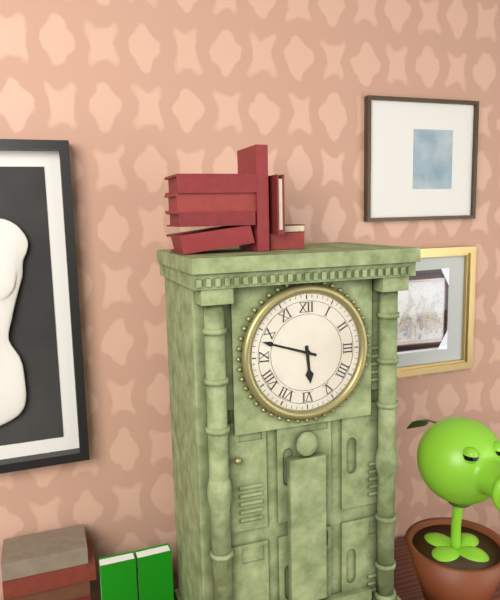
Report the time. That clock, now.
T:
5:48
